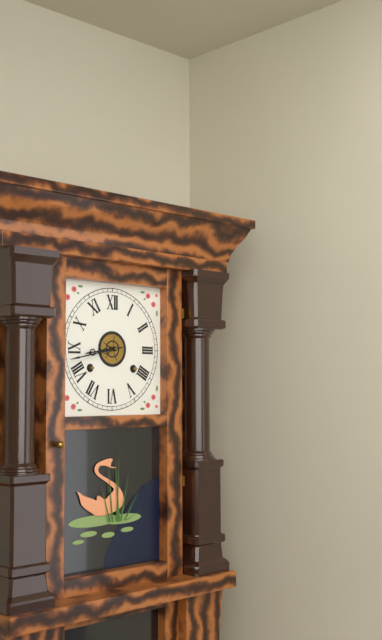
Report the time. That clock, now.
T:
8:43
